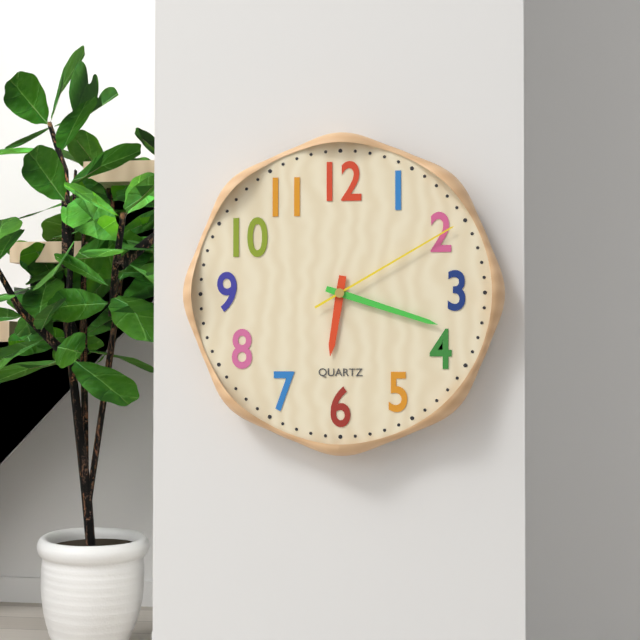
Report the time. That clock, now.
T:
6:18:10
